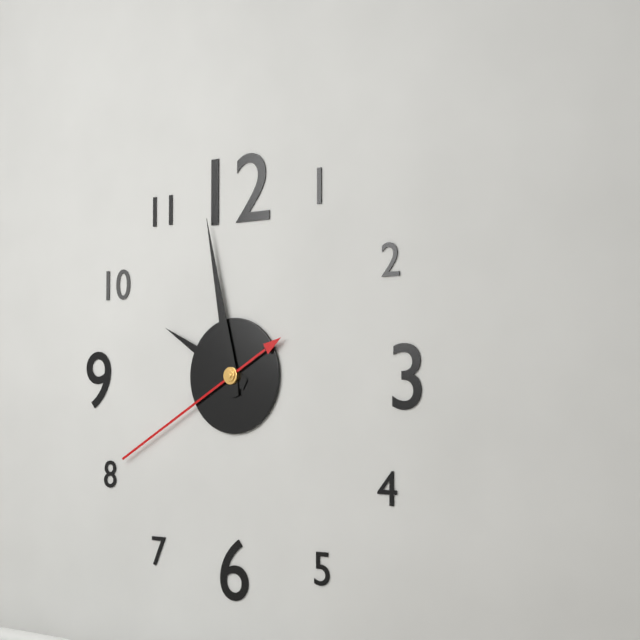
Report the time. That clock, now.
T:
9:58:40
